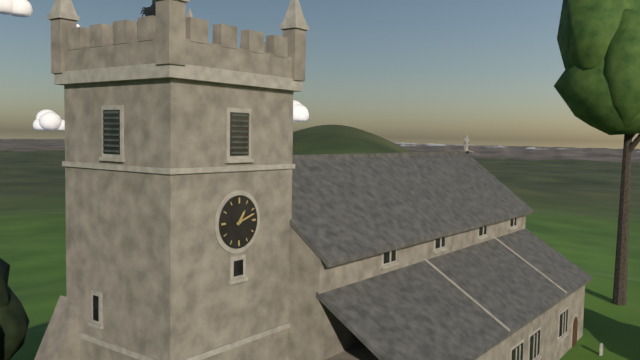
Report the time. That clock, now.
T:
1:12
